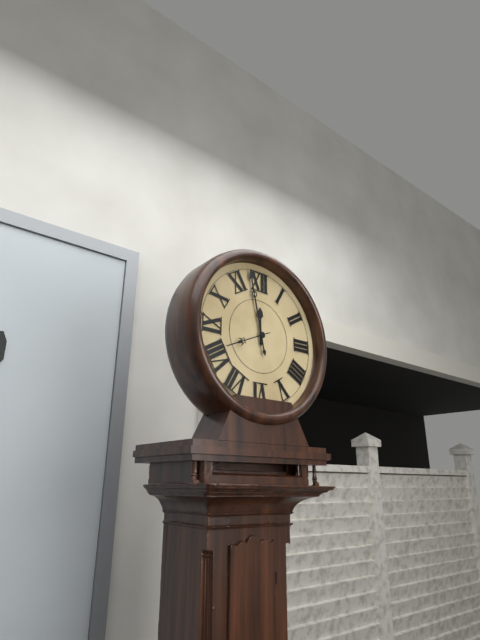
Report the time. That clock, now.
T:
11:58
